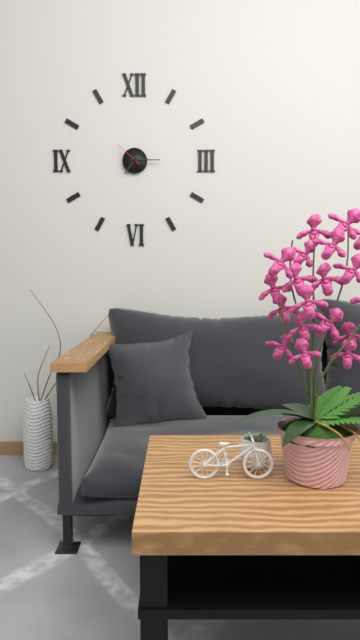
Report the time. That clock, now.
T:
7:15
